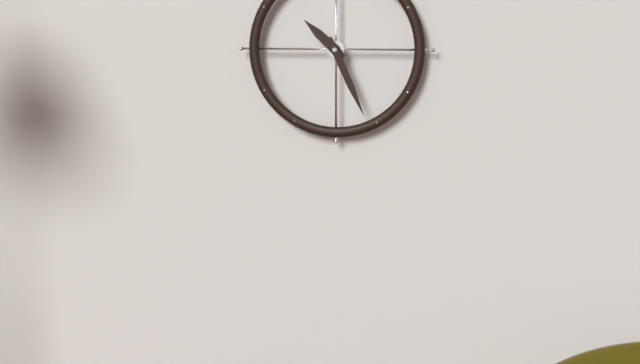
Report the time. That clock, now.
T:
10:26
